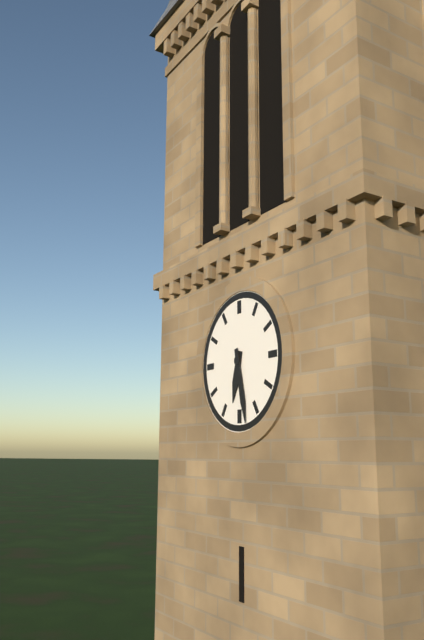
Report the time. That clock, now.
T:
6:28
